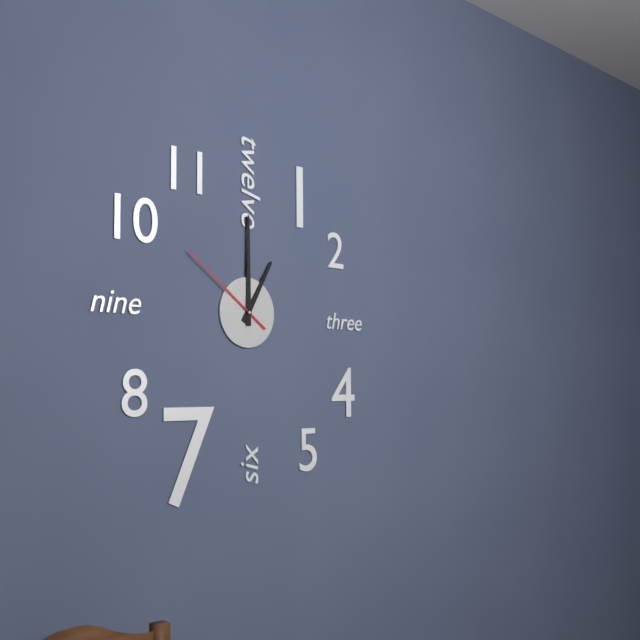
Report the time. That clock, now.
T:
1:00:51
